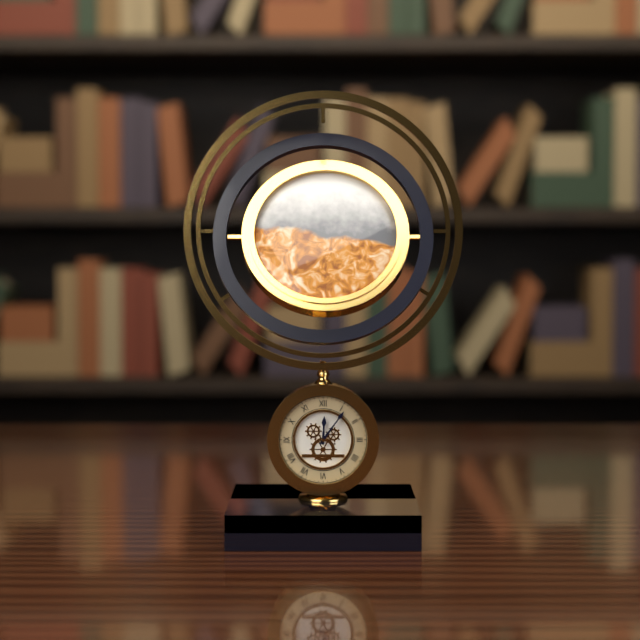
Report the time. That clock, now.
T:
12:06
